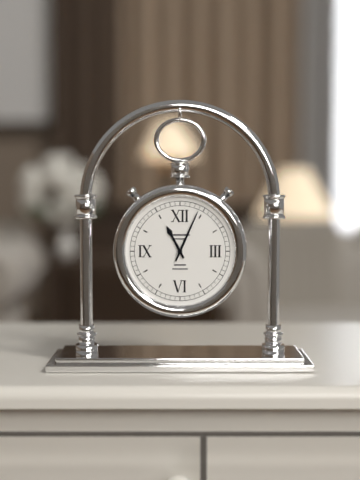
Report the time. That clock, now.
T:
11:04
